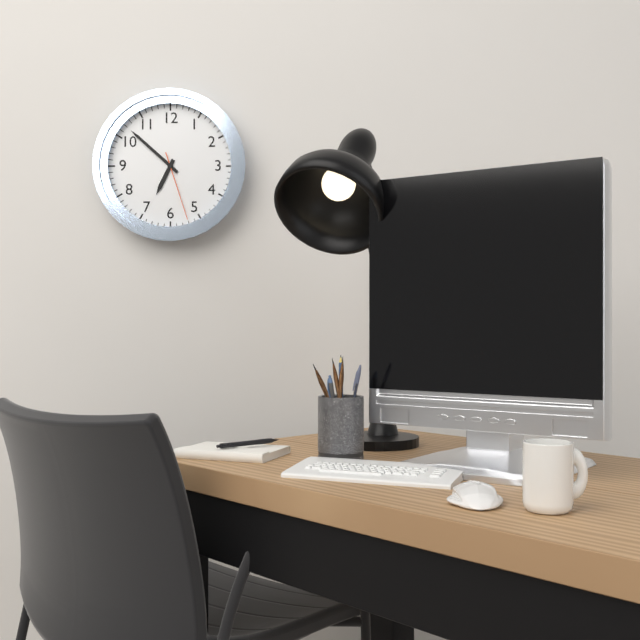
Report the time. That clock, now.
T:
6:52:27
